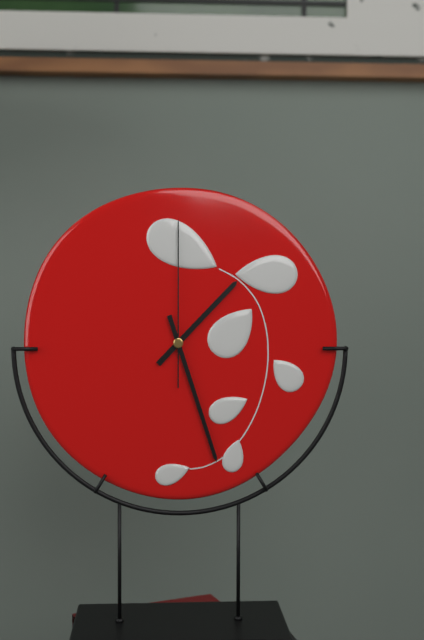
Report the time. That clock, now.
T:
1:27:00
